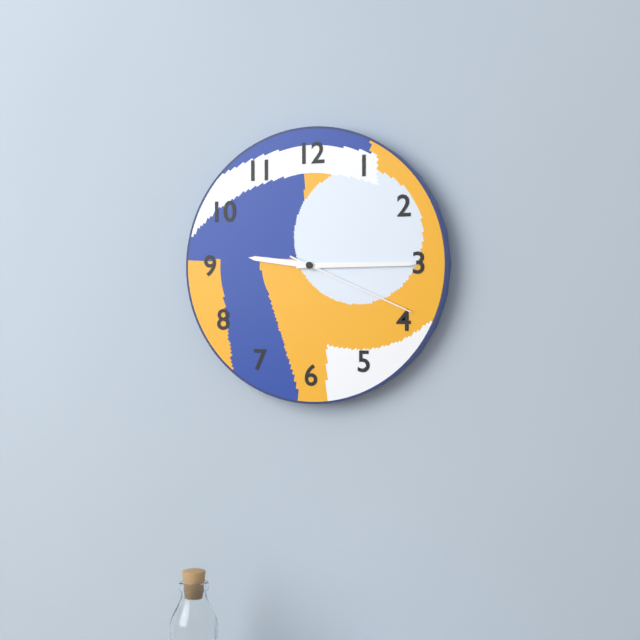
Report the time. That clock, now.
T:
9:15:19
